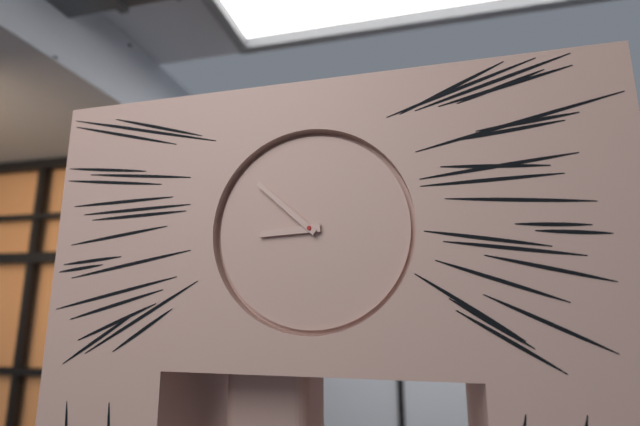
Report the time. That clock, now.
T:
8:52
